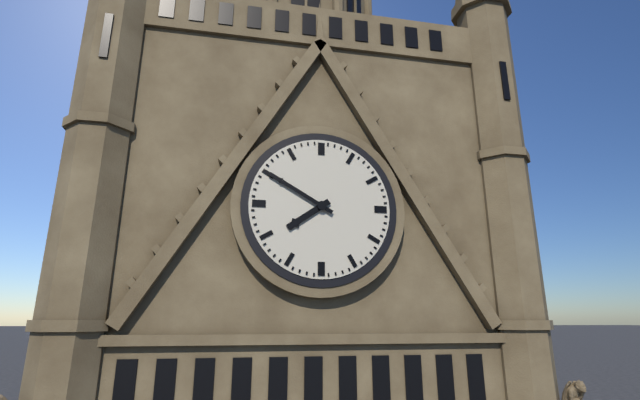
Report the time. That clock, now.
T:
7:50
